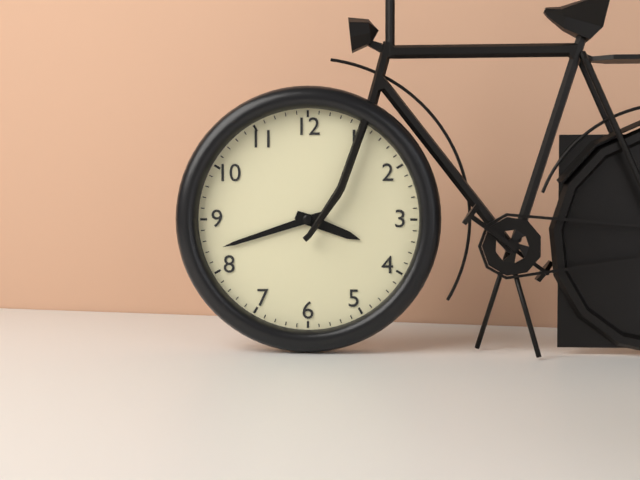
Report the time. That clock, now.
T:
3:42
